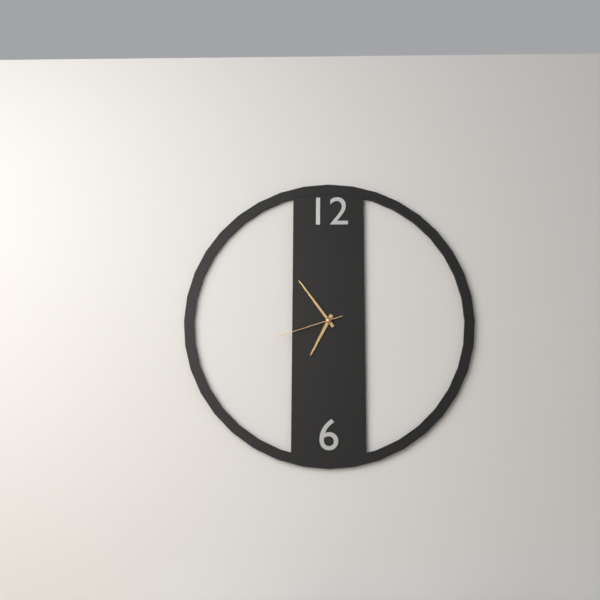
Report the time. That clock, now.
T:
6:54:42
